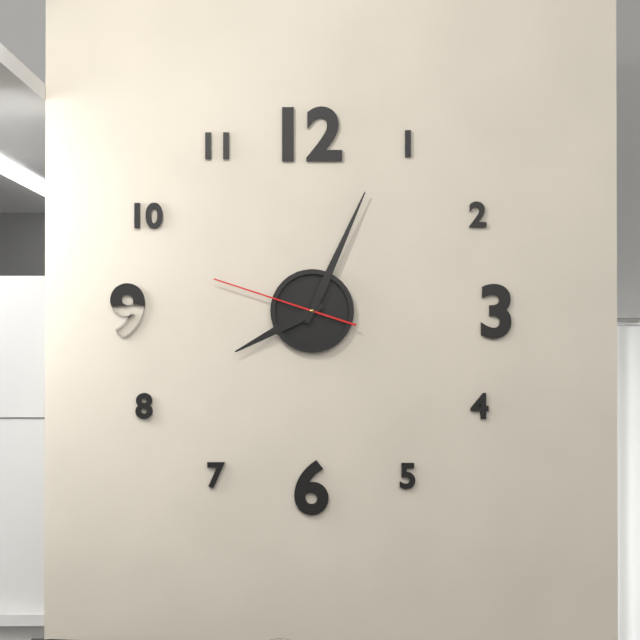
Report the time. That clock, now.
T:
8:04:48
